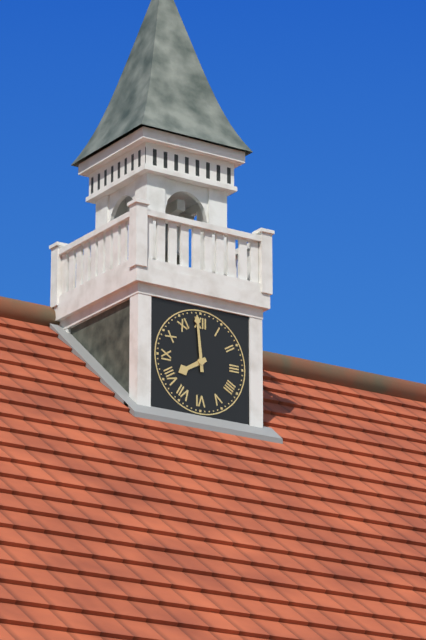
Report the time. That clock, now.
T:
7:59
